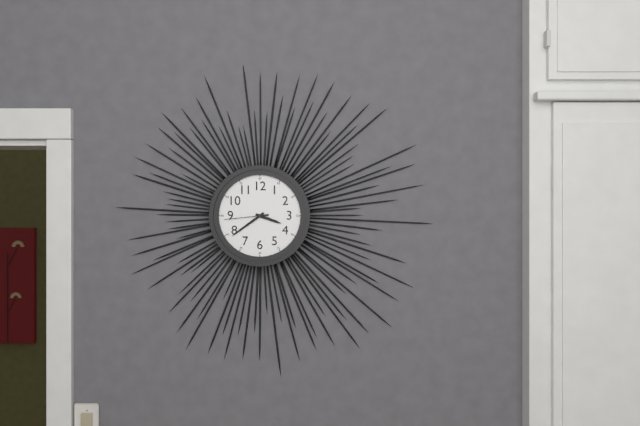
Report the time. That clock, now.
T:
3:39
